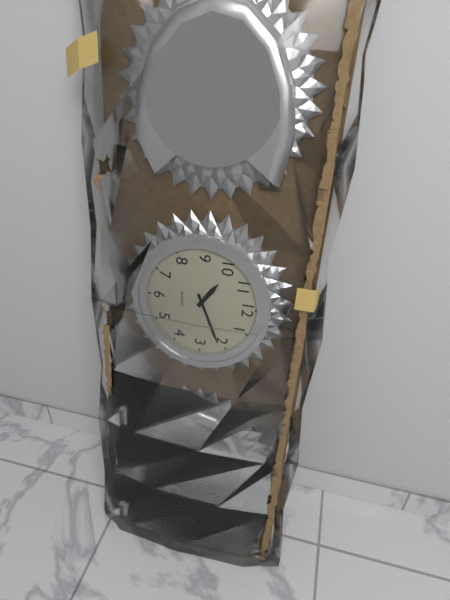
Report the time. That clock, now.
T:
10:11
